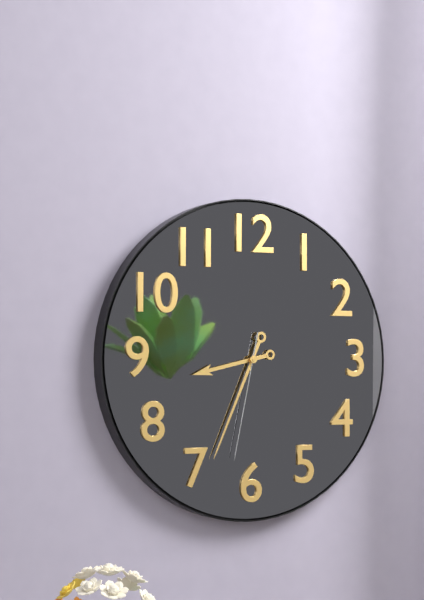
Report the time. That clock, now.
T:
8:34:32
